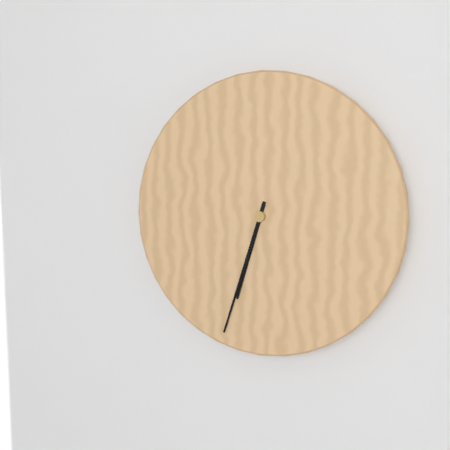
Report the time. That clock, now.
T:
6:33
